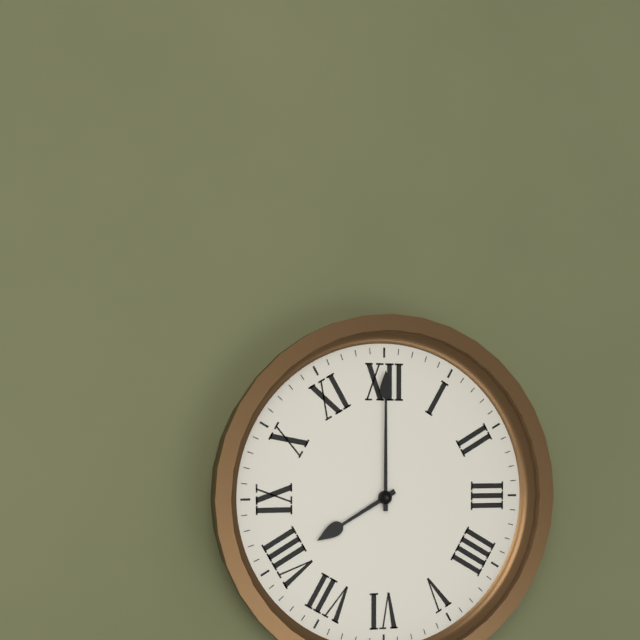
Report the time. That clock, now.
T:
8:00
